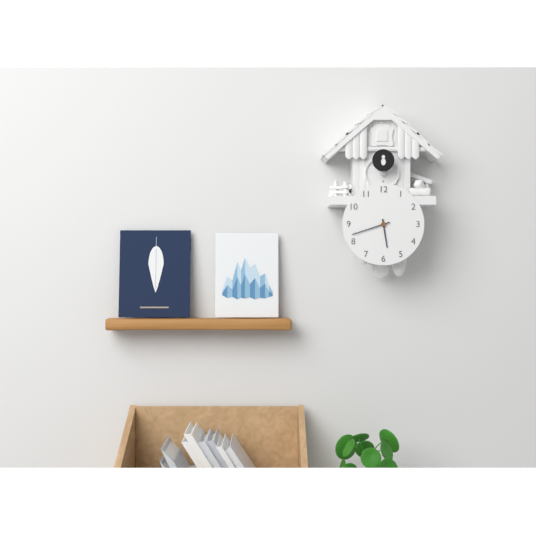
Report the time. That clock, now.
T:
5:42
